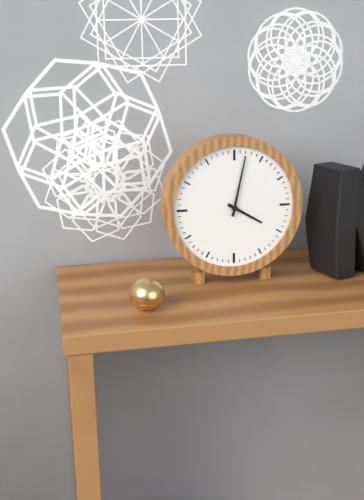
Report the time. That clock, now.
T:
4:02
